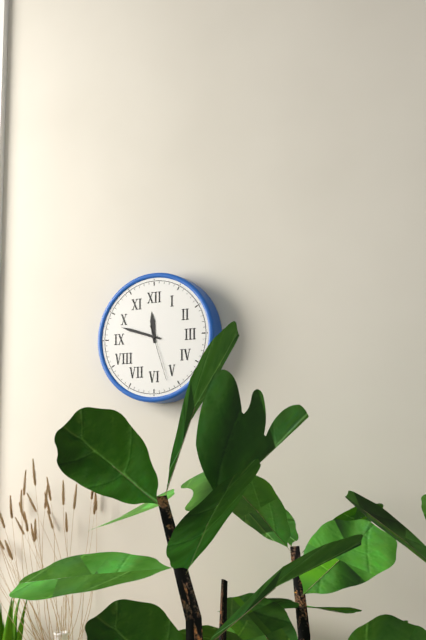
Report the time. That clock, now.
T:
11:48:27
